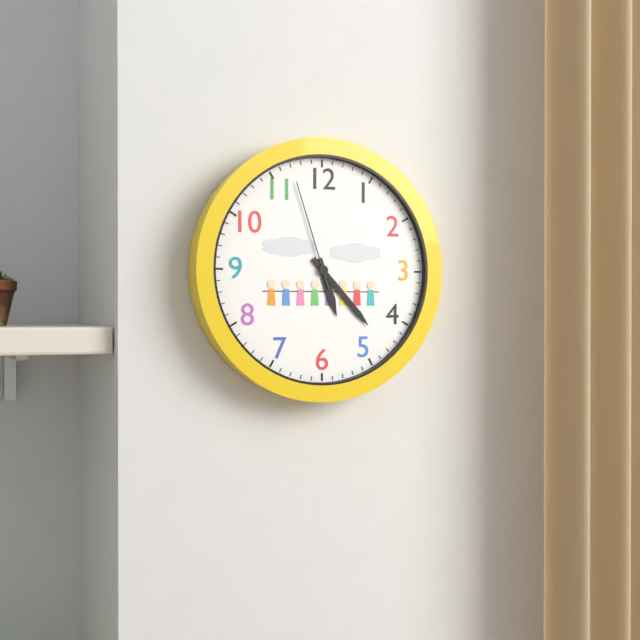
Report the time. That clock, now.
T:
5:23:57
